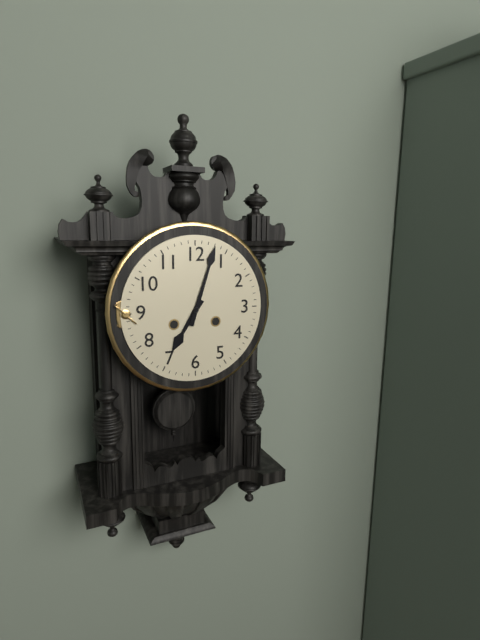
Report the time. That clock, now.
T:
7:03
